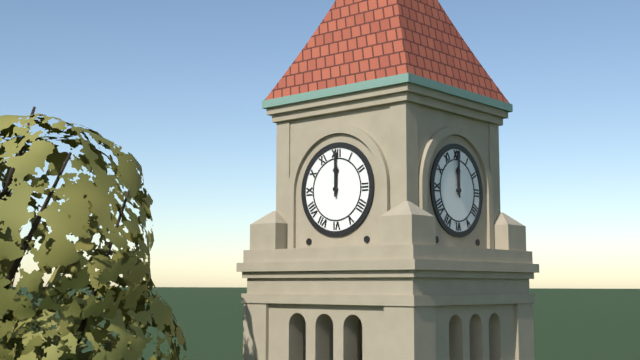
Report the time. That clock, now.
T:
12:00
